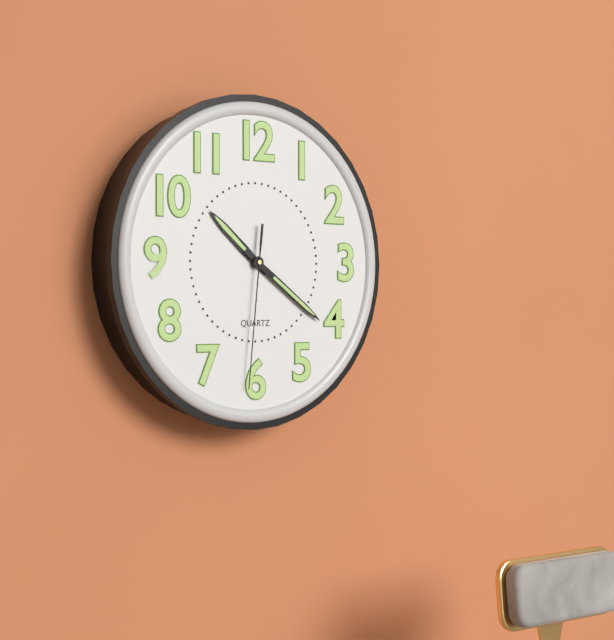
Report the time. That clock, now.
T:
10:21:31
